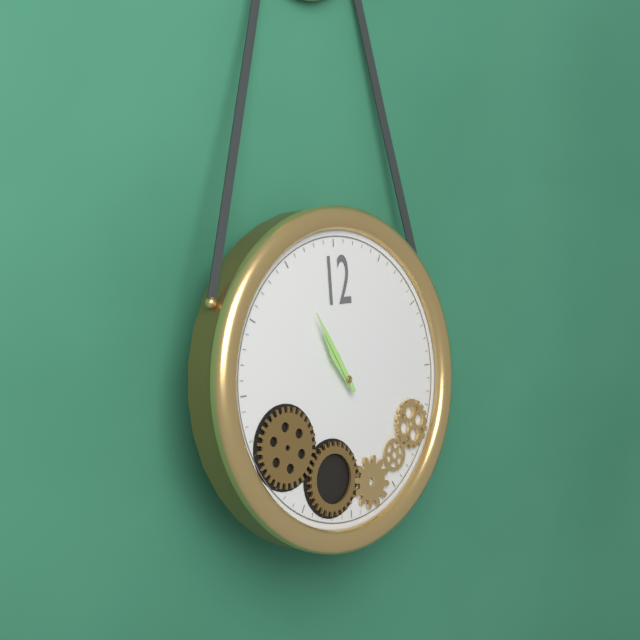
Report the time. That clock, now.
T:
10:55
